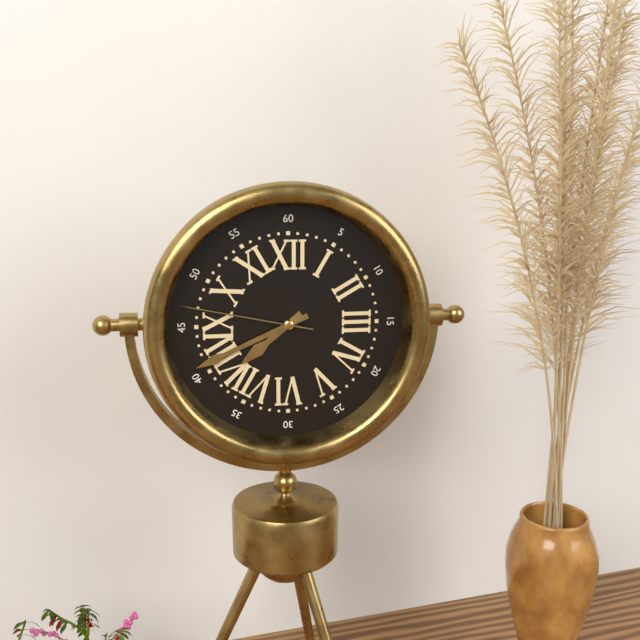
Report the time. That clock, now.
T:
7:41:47
